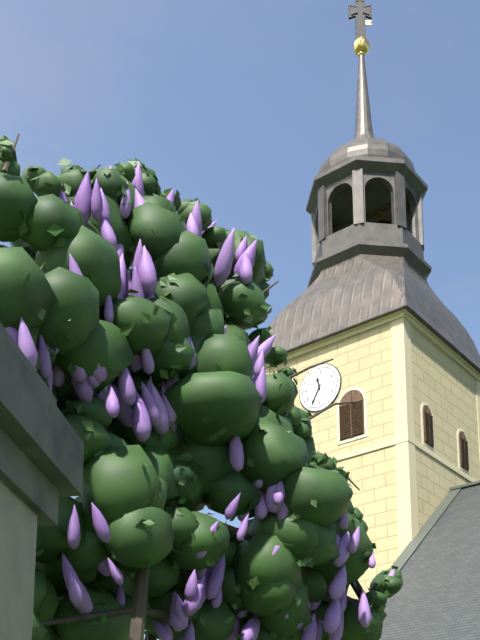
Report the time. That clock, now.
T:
11:35
